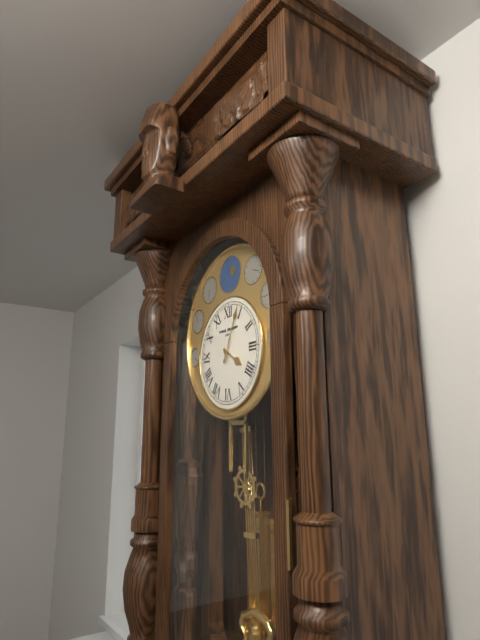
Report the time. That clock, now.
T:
4:04
